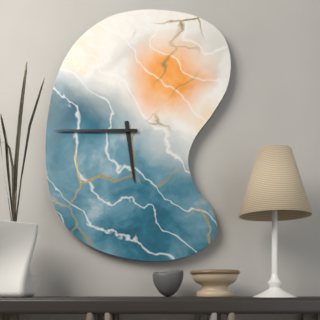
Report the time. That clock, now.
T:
5:45
